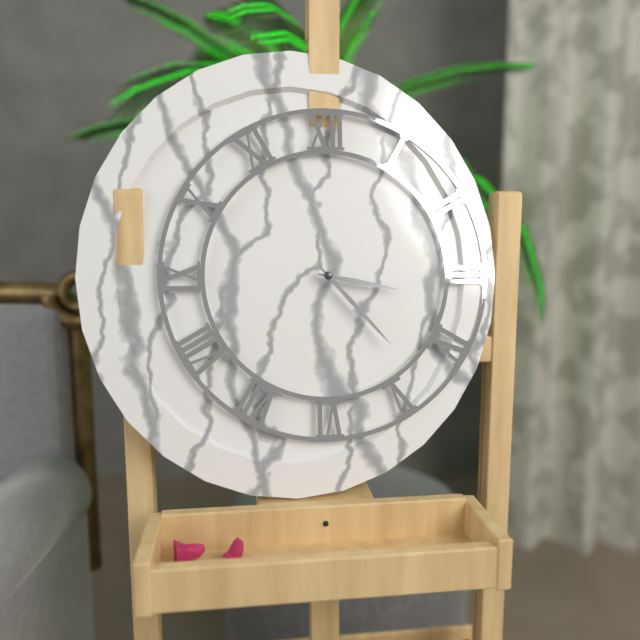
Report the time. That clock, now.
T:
3:23
